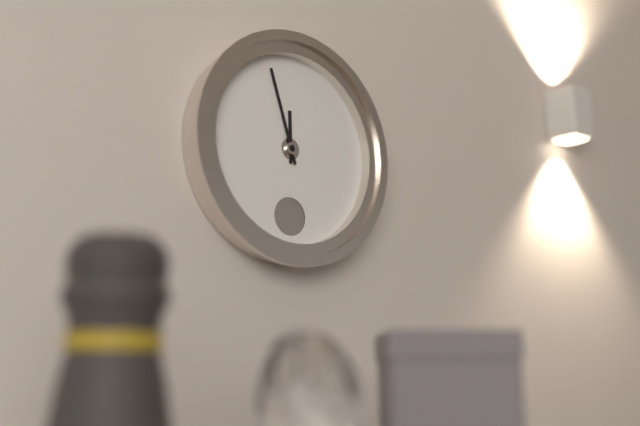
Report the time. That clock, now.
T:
11:57
